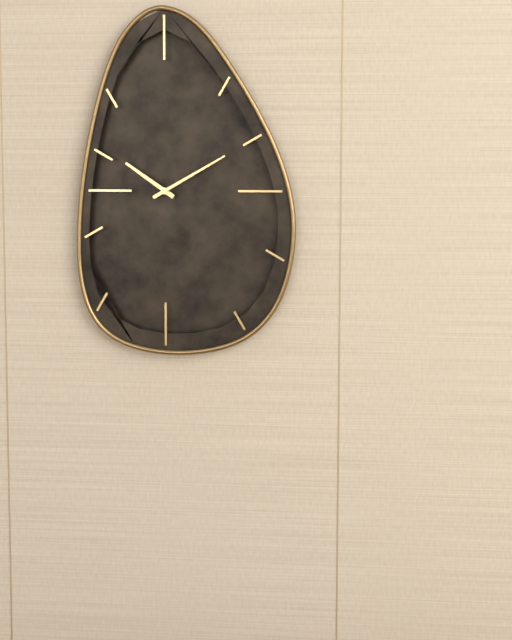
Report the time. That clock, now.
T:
10:10
